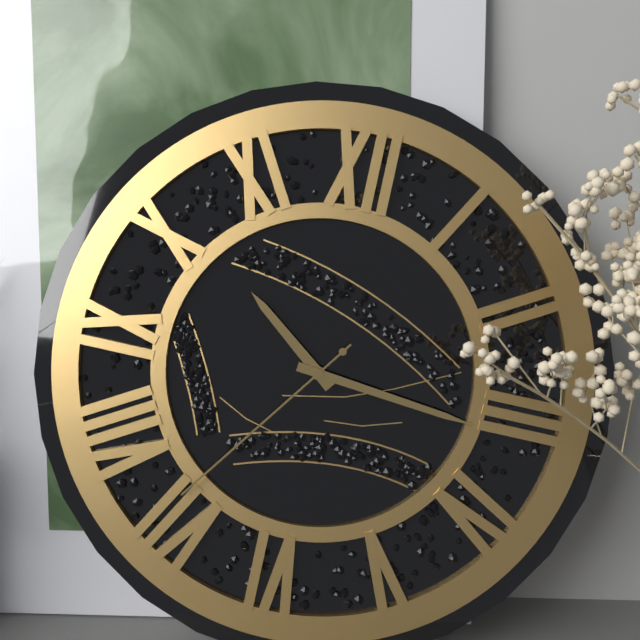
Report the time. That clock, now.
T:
10:16:36
